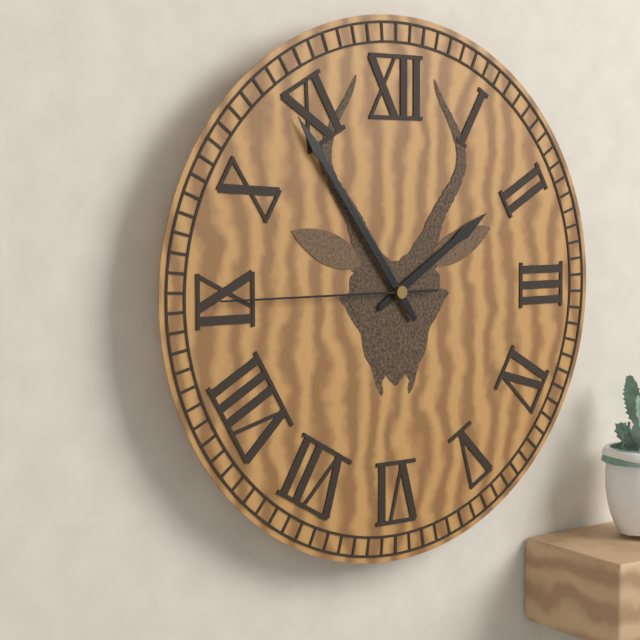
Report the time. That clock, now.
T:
1:54:45
